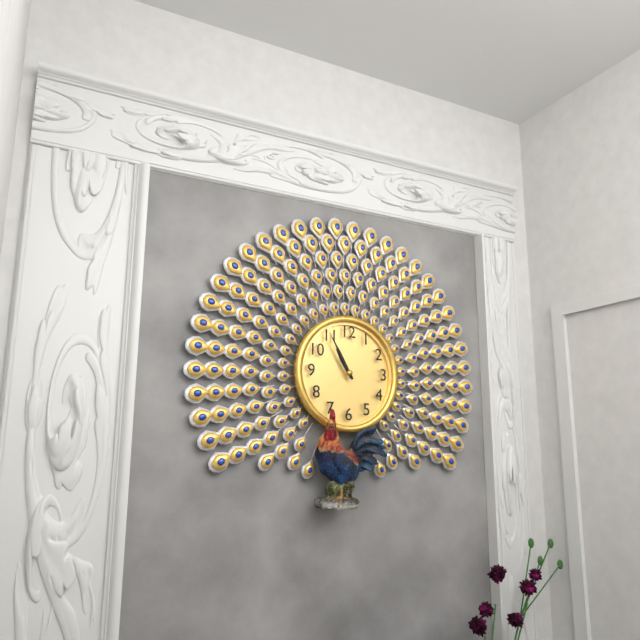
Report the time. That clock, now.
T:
10:55
